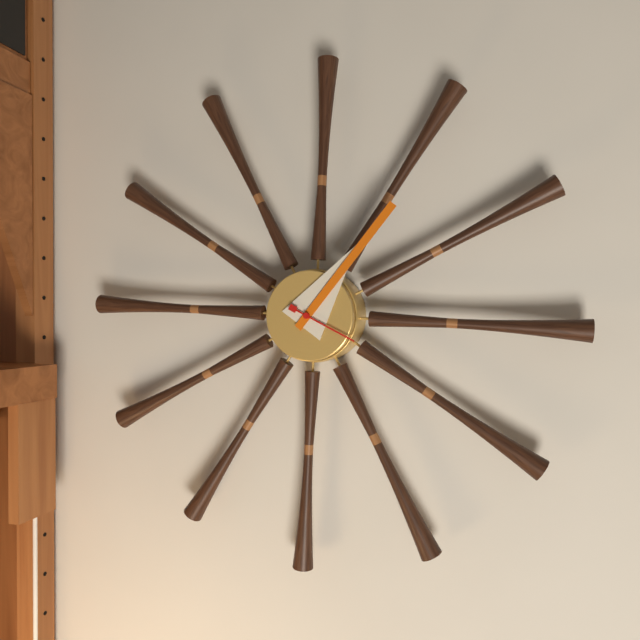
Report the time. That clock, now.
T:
1:06
